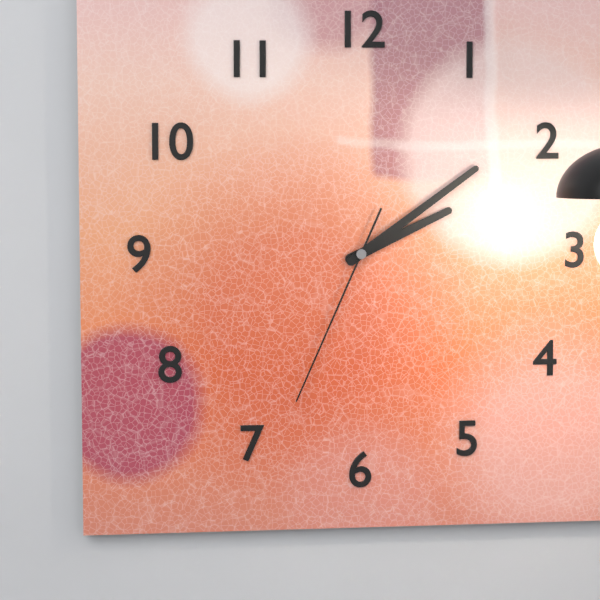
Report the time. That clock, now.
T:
2:09:34
